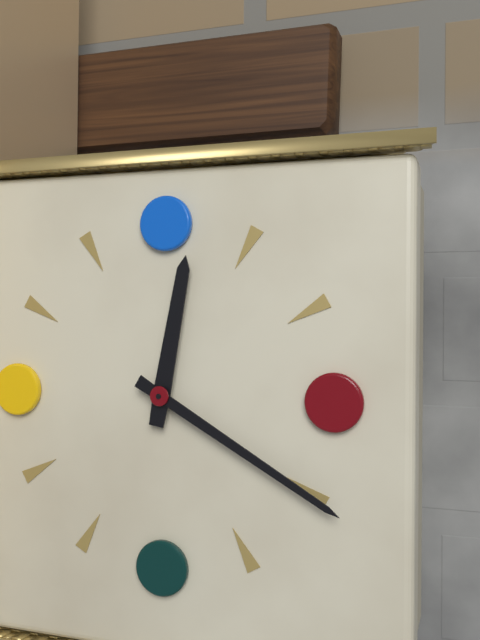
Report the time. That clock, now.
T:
12:20
